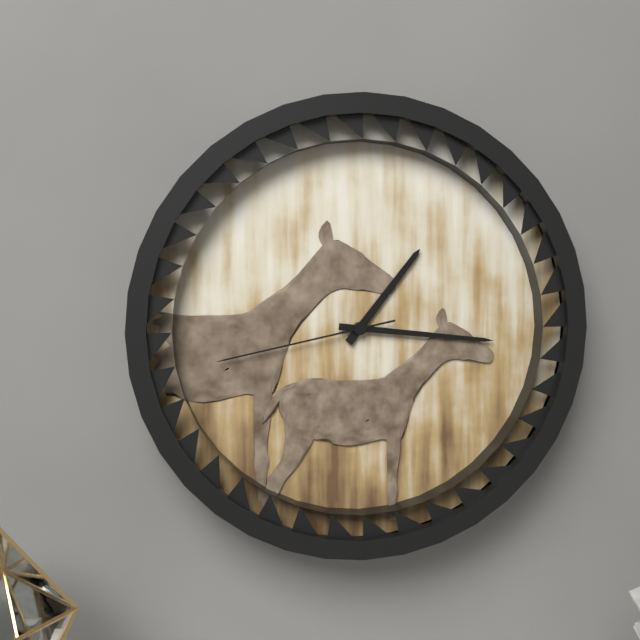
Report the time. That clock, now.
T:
1:16:43
